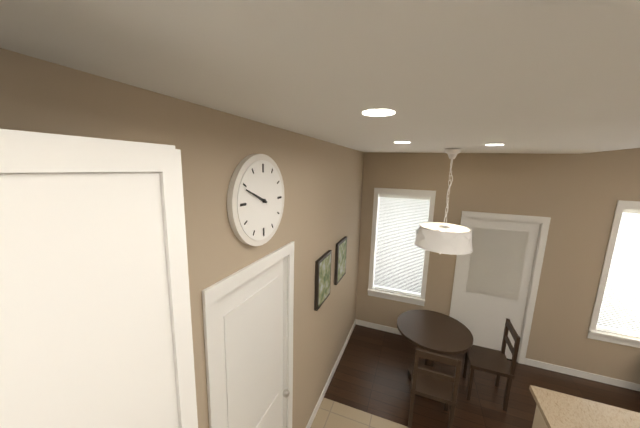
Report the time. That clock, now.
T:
9:49
